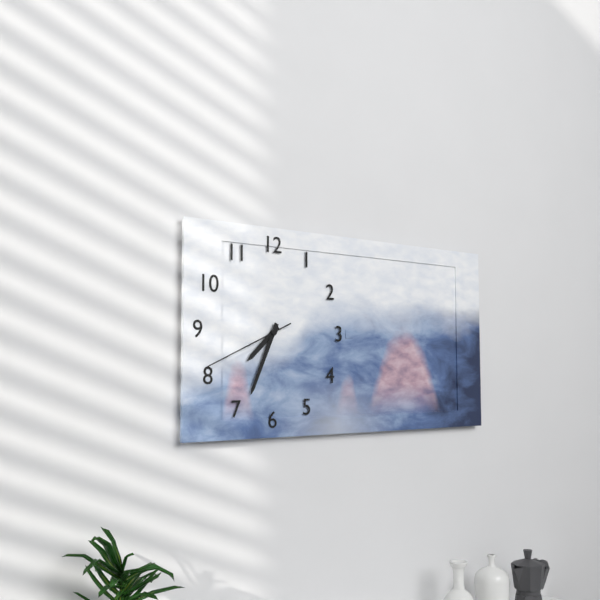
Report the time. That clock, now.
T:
7:34:41
